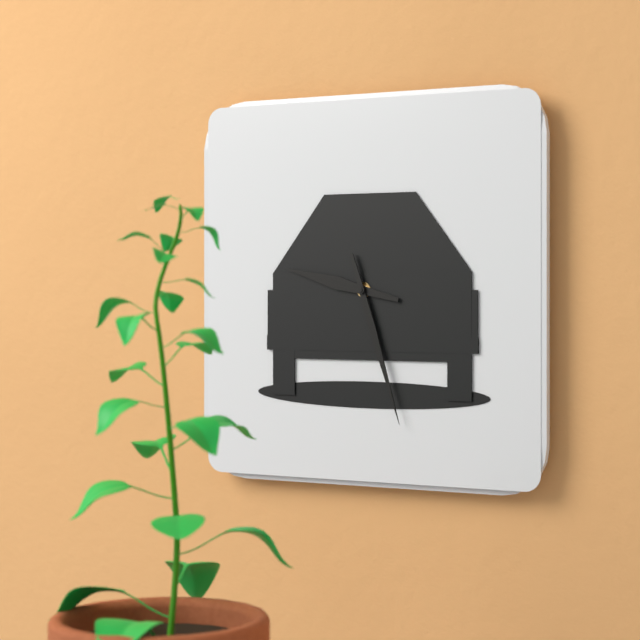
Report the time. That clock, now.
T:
9:27
